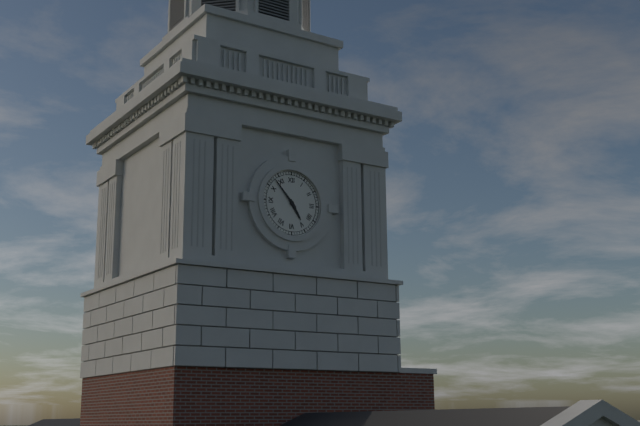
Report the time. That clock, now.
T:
4:53
